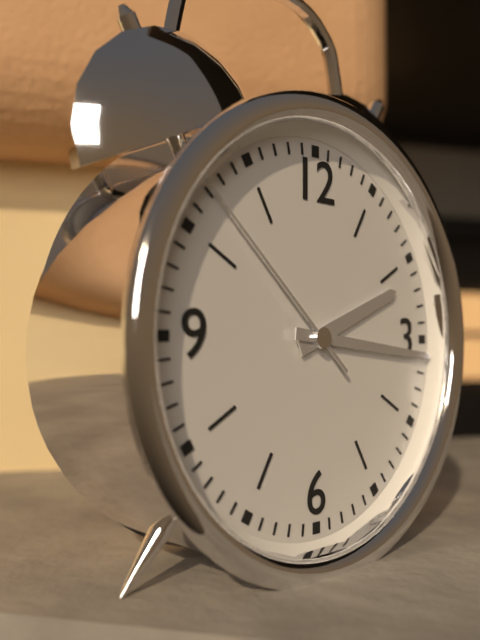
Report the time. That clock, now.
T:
2:16:52
